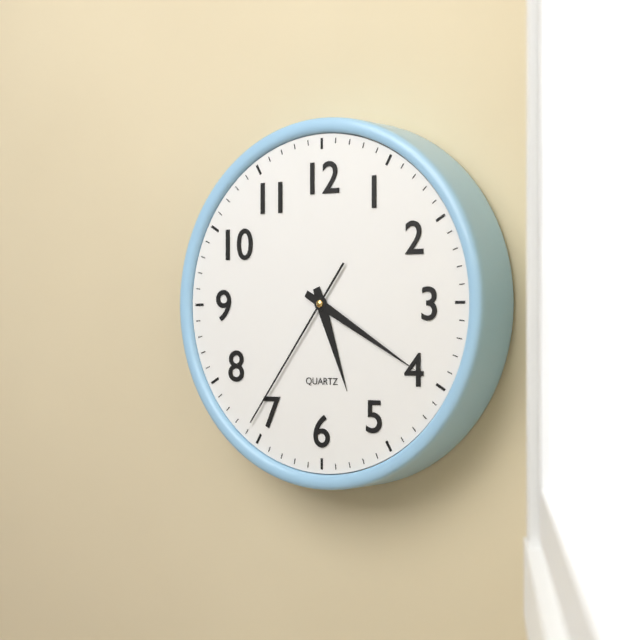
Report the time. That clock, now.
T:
5:20:36
